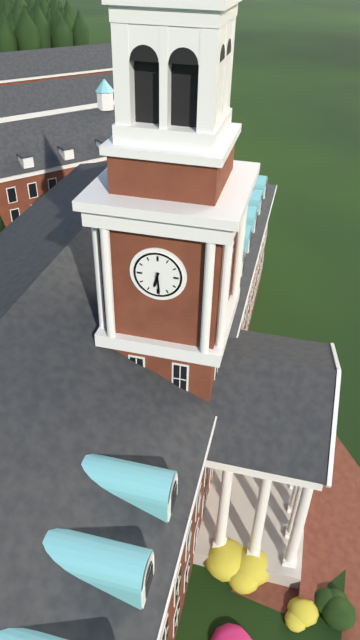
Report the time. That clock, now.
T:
6:29
